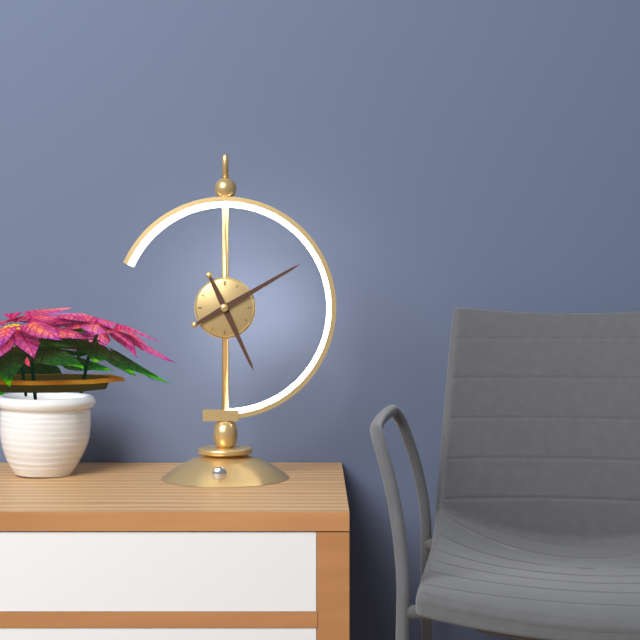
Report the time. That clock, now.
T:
5:10
